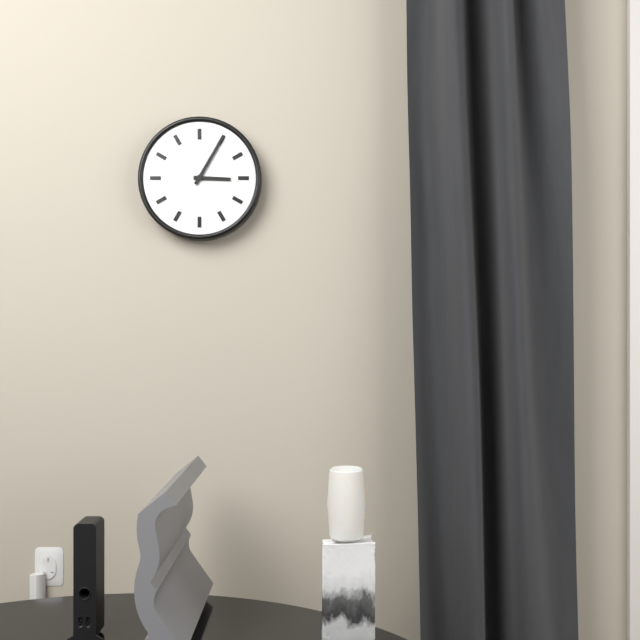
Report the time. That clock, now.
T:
3:05
